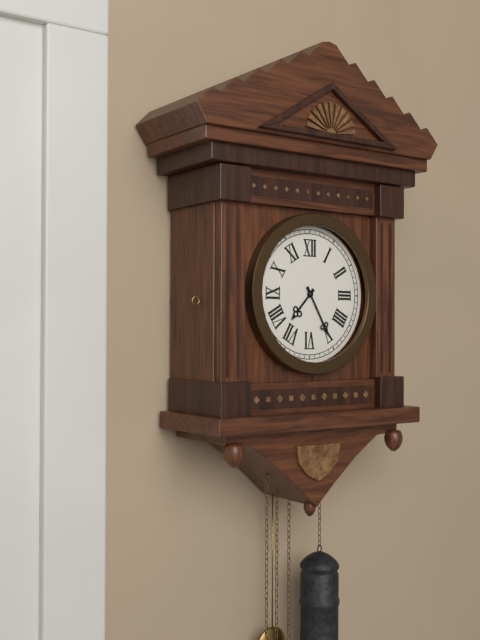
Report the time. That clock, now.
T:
7:25
